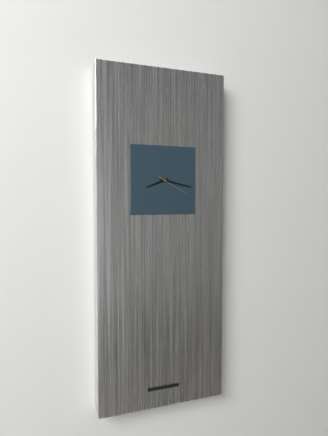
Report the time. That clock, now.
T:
8:17
